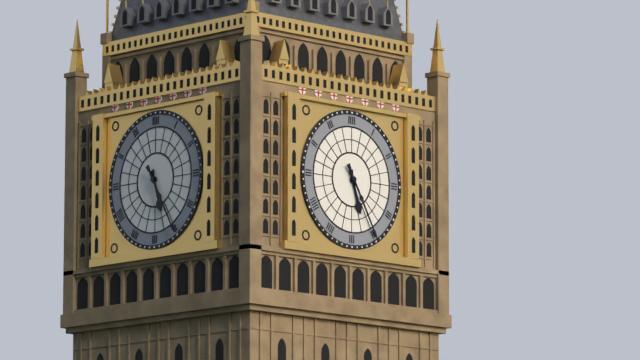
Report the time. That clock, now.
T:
5:25
